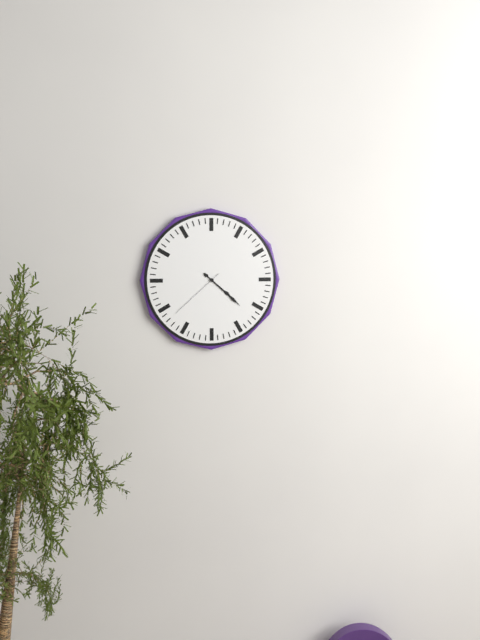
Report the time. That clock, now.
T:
4:22:38
